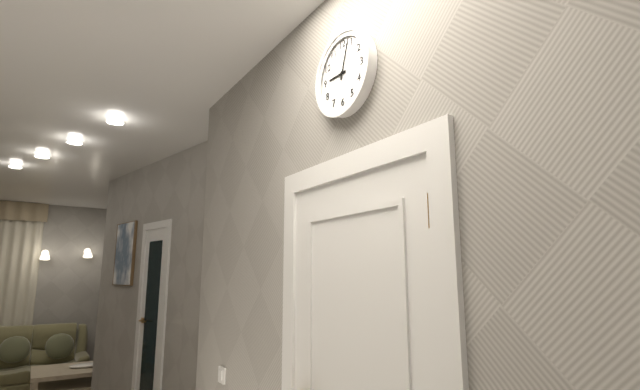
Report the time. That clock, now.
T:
9:03
